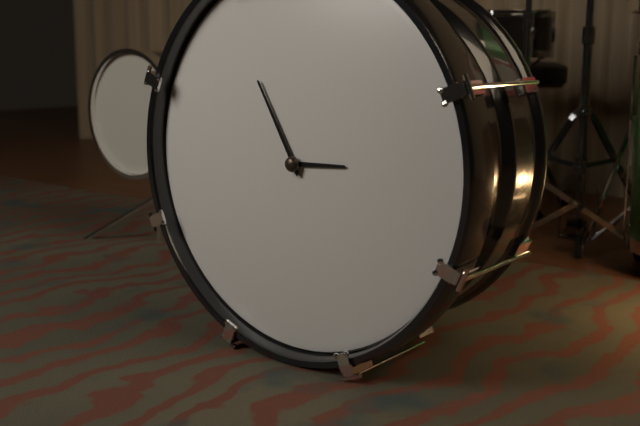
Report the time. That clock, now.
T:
2:55
